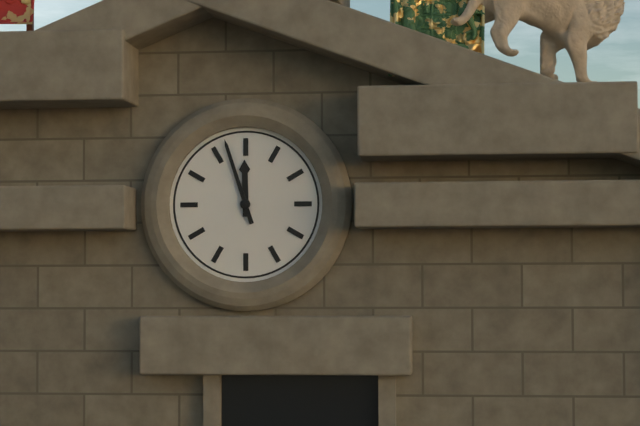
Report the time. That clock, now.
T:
11:57
